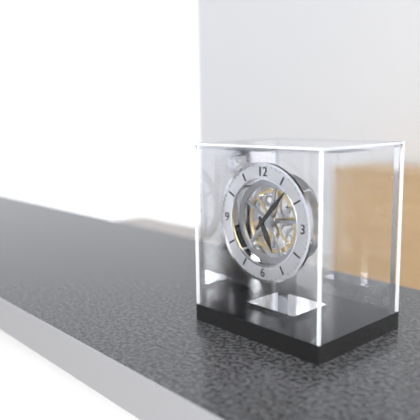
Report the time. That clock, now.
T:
5:07
